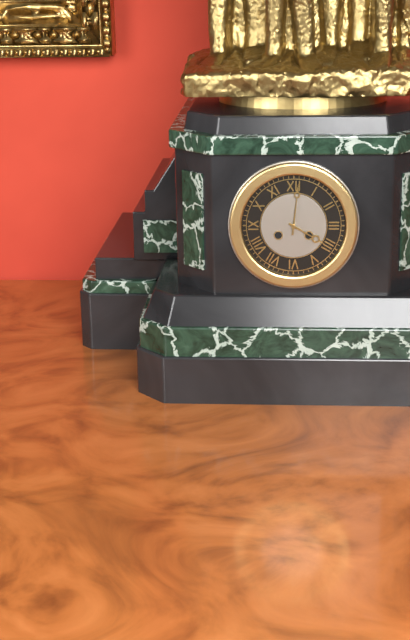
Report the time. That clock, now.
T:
4:01
